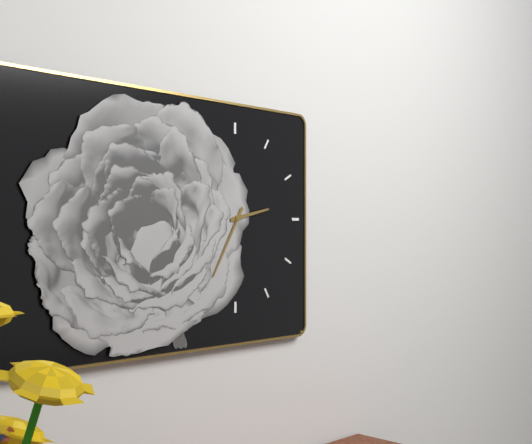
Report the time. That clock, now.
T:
2:35
